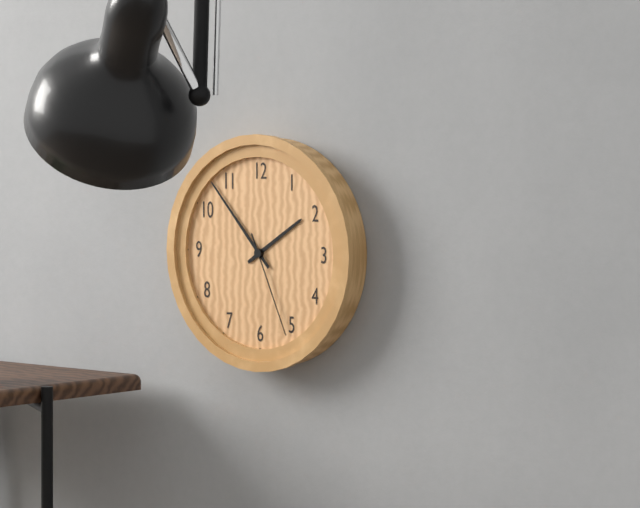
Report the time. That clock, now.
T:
1:53:26
